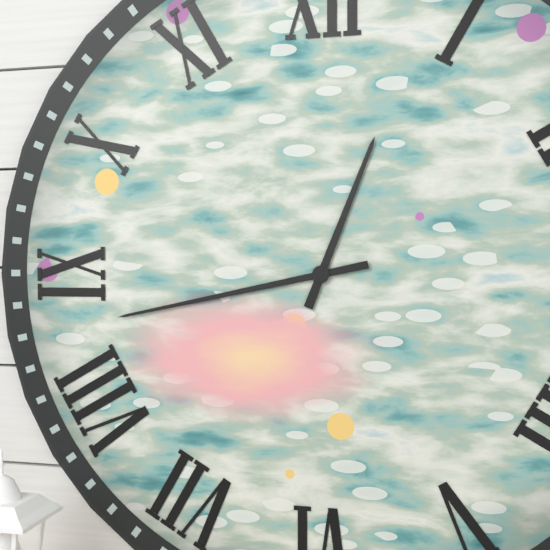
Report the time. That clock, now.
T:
12:43
